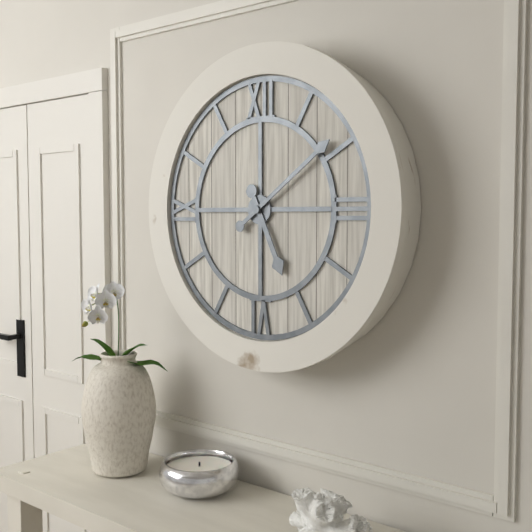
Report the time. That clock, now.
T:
5:09
